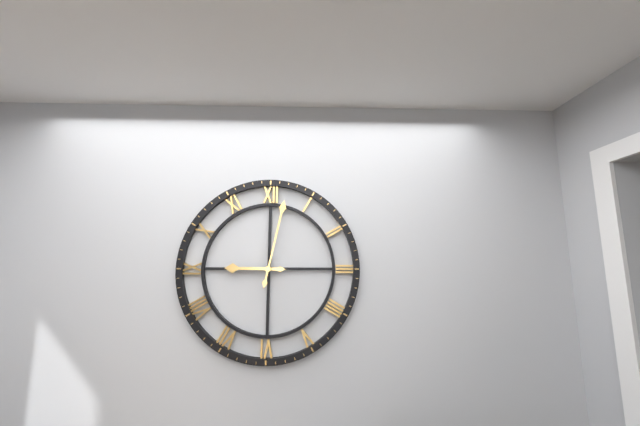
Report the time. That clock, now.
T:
9:02
